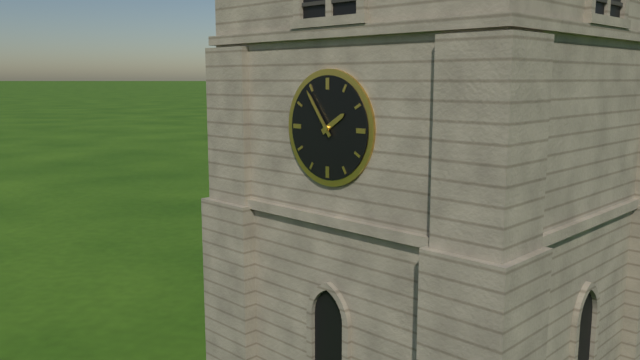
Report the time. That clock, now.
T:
1:54
